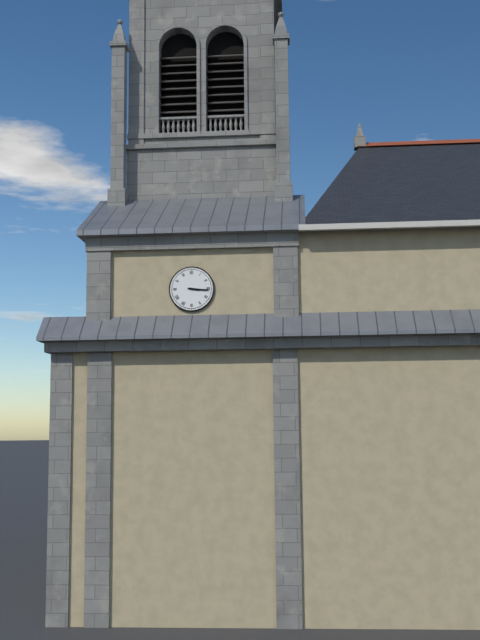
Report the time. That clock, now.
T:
3:16
